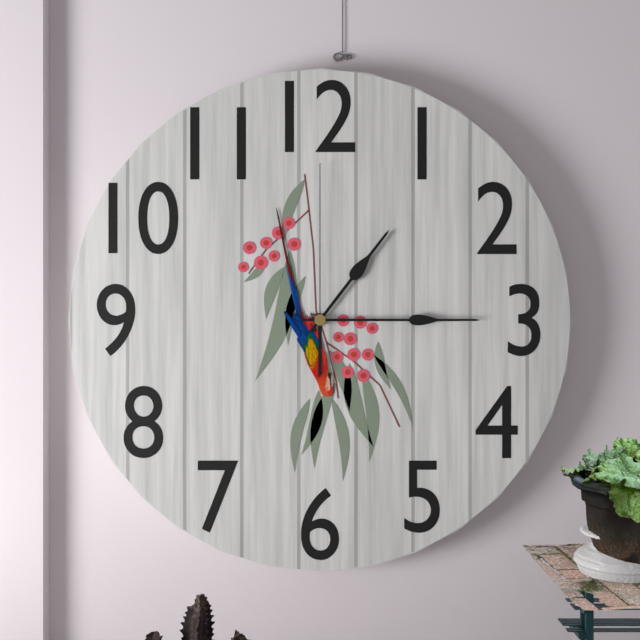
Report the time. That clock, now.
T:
1:15:00
